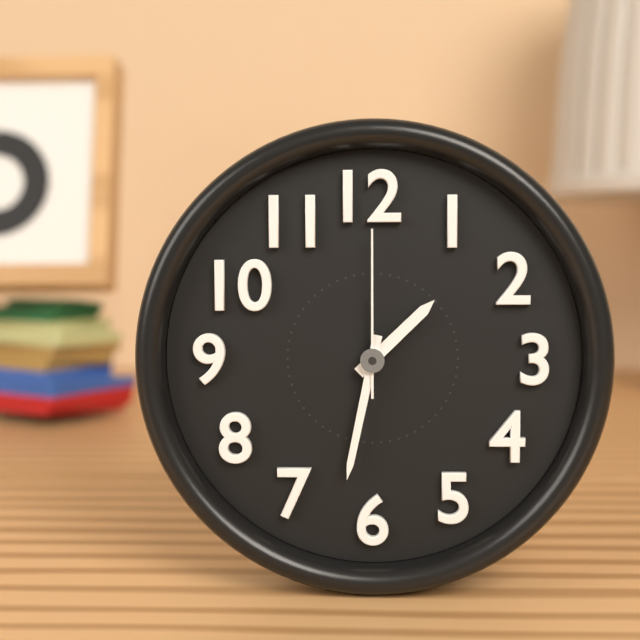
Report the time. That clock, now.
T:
1:32:00
